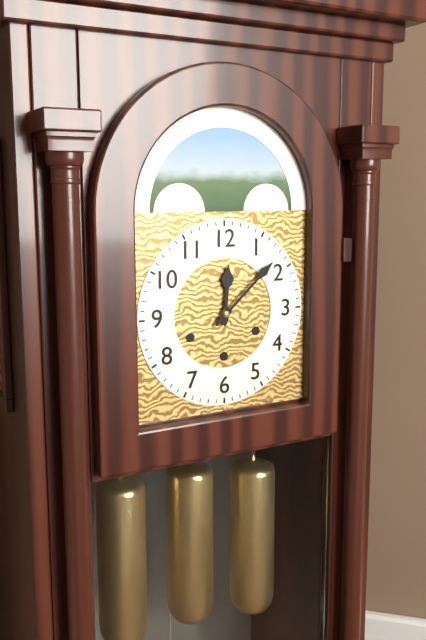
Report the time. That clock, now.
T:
12:08
